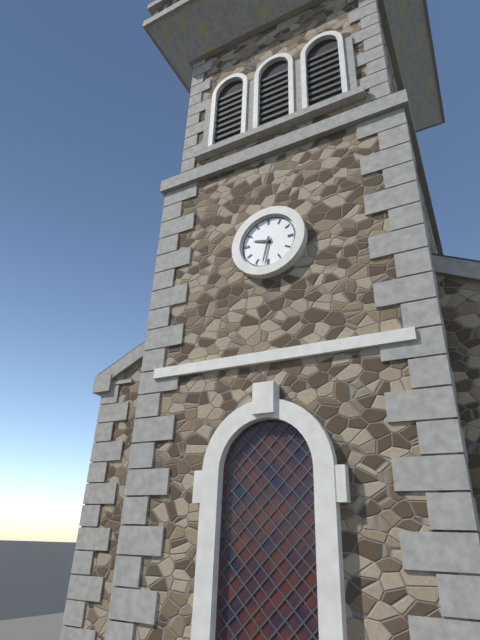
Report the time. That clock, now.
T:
9:32
